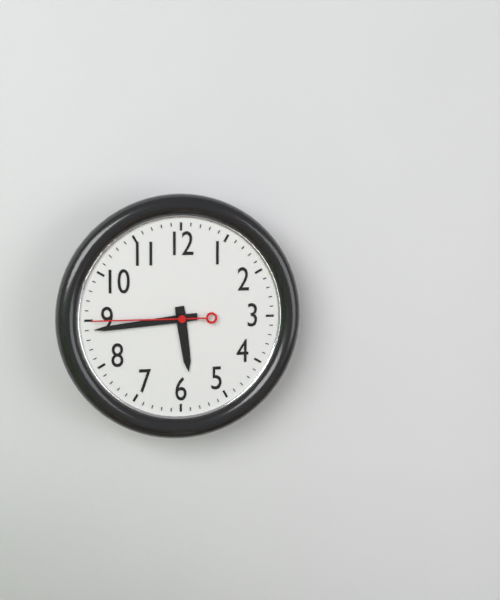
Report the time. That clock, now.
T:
5:44:45
